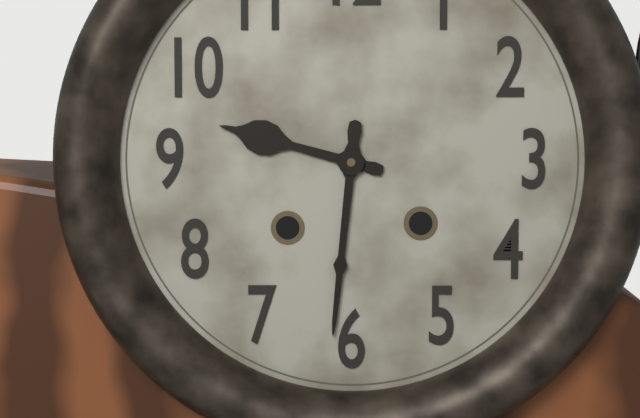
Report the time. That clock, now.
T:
9:31
